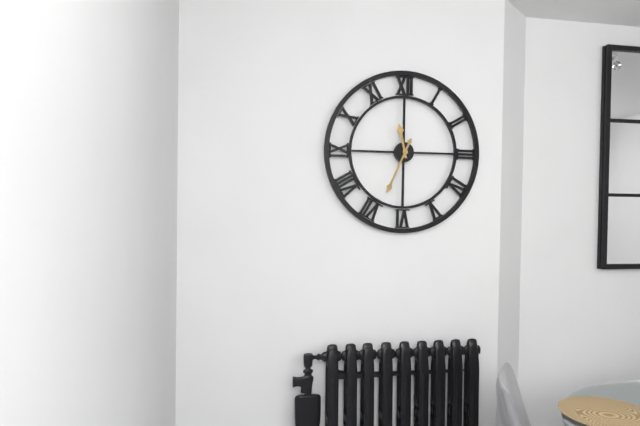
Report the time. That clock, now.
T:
11:34
